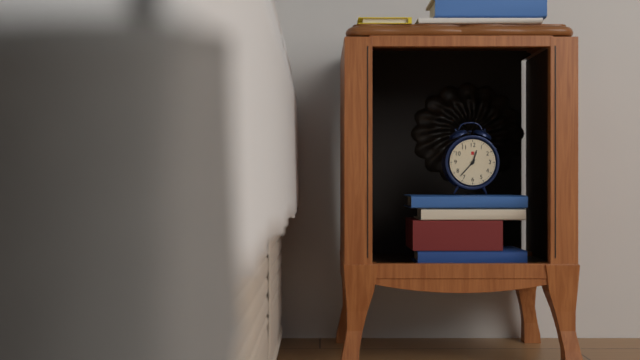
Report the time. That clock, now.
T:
12:37
